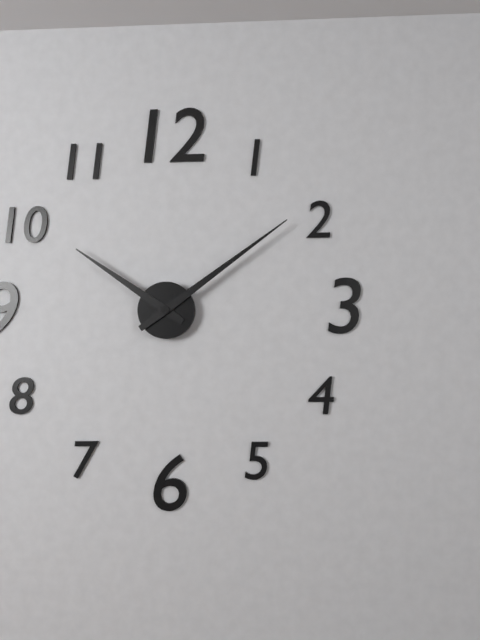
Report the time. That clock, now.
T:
10:09
